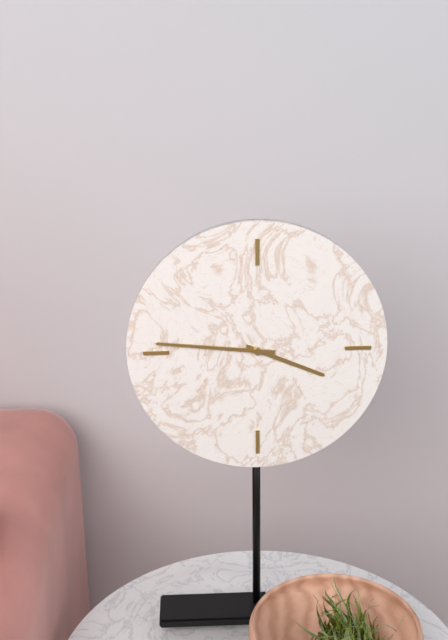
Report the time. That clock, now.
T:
3:46
